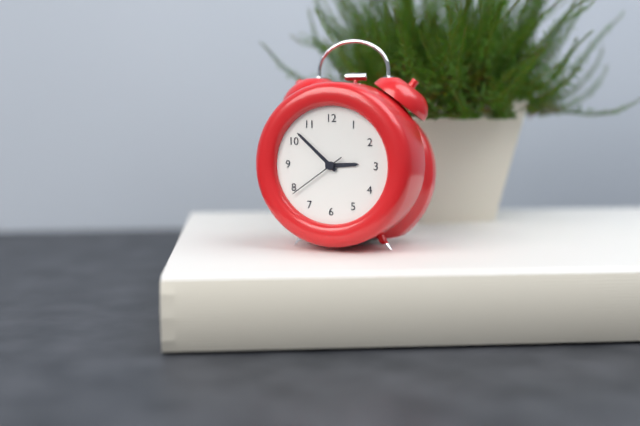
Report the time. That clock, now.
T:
2:52:39
